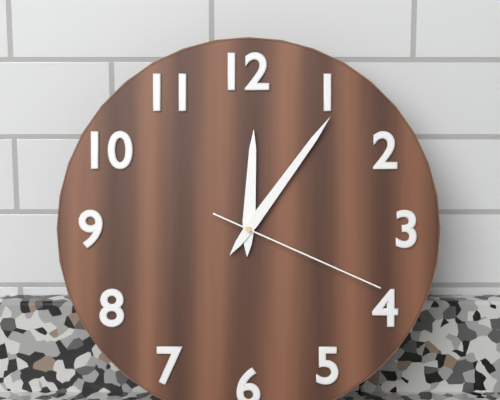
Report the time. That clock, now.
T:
12:06:19
